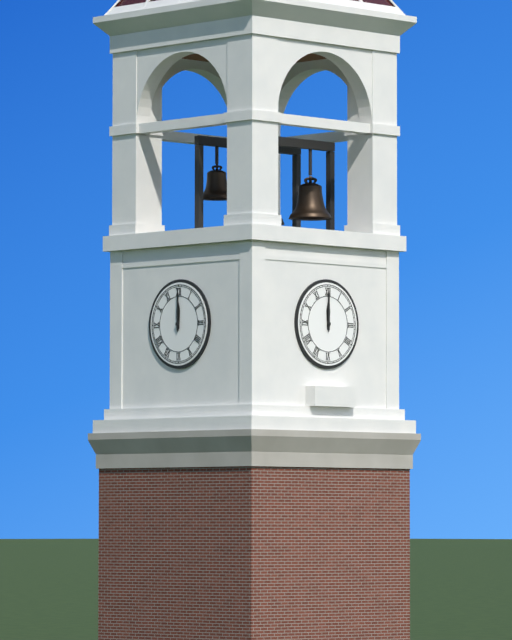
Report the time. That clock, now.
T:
12:00
